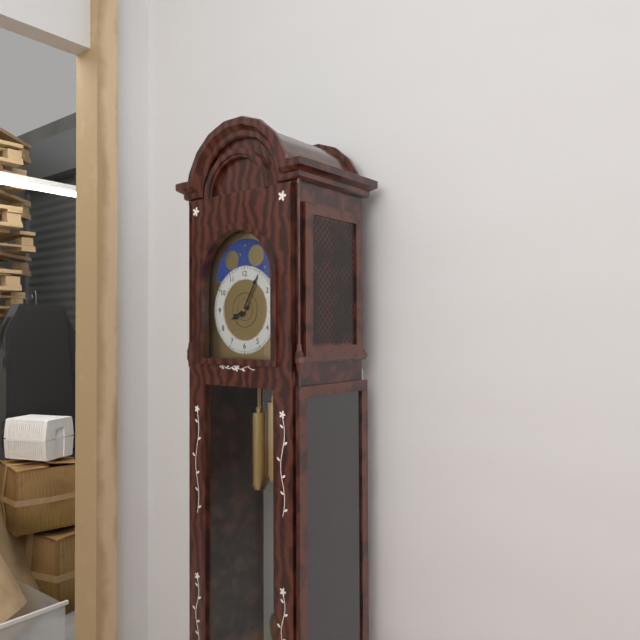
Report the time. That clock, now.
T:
8:05
